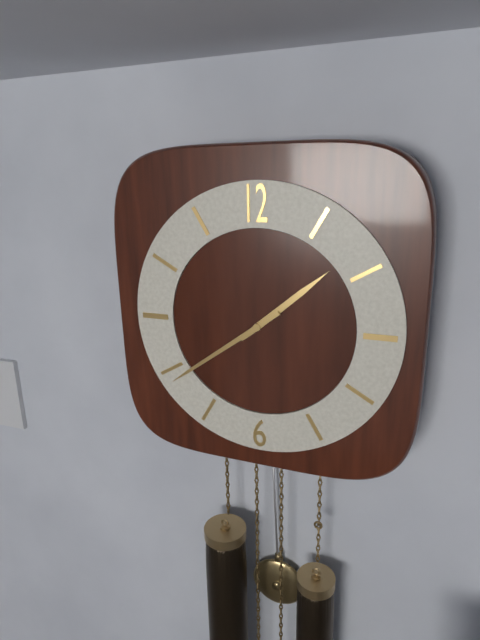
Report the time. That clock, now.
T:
1:39
